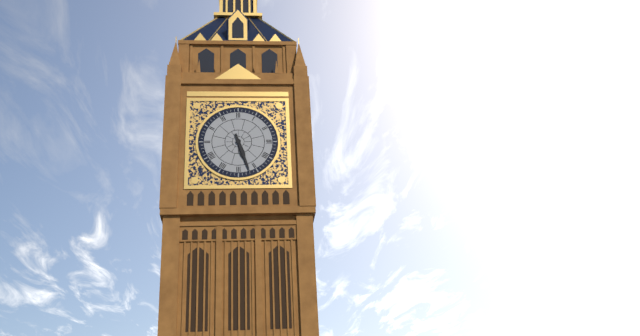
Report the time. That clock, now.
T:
5:27
